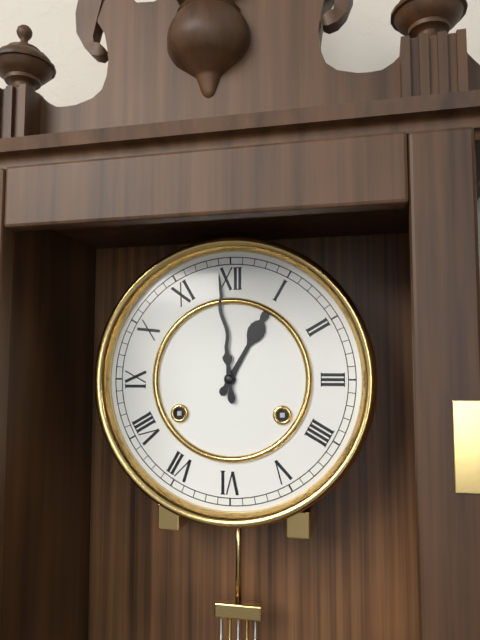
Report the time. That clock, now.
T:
12:59
